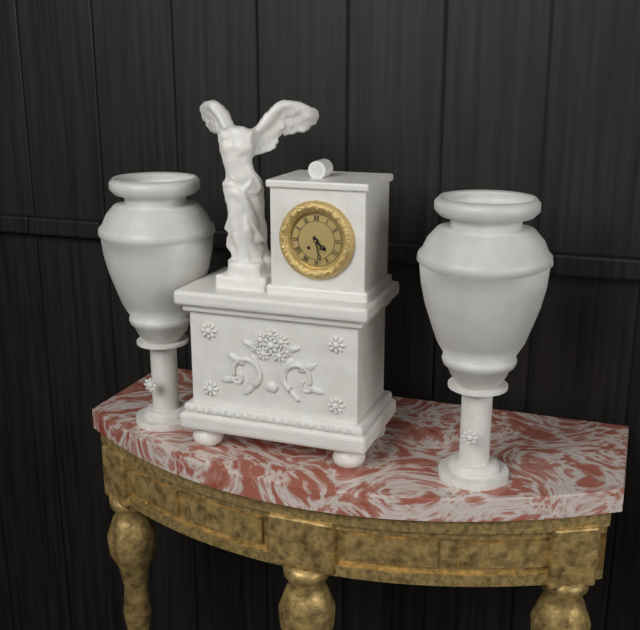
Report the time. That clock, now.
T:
4:28
